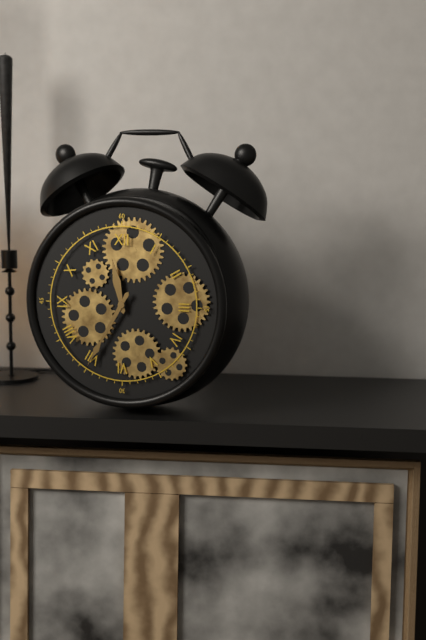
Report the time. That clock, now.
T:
11:35
